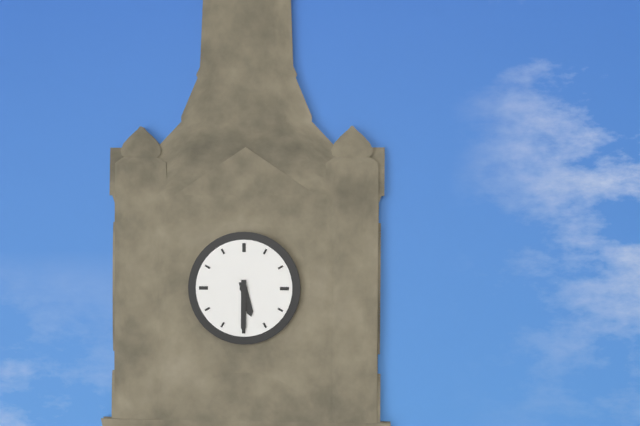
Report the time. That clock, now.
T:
5:30
